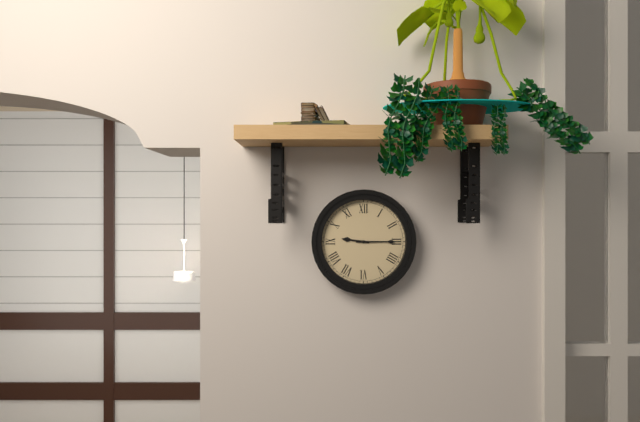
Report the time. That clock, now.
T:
9:15
